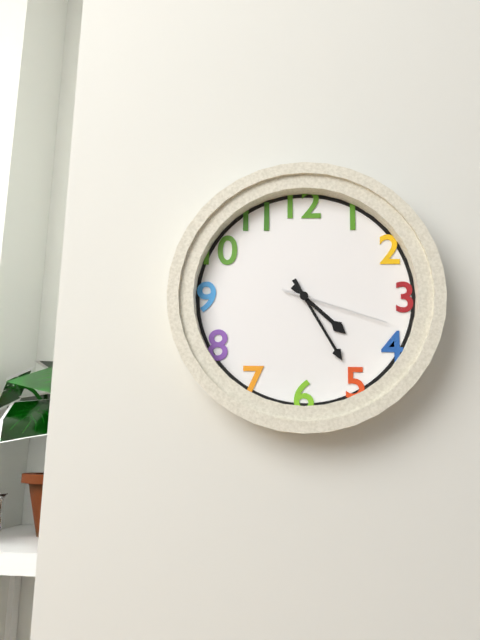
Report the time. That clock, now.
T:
4:25:18
